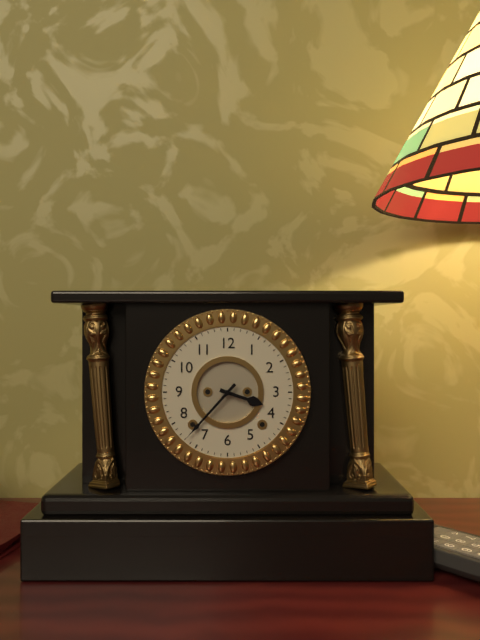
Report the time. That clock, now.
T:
3:37
